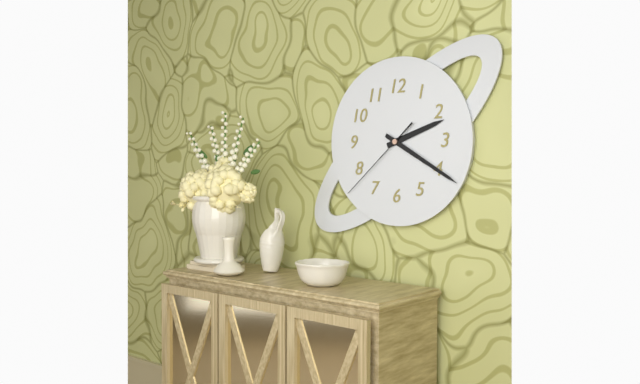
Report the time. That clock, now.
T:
2:20:38
